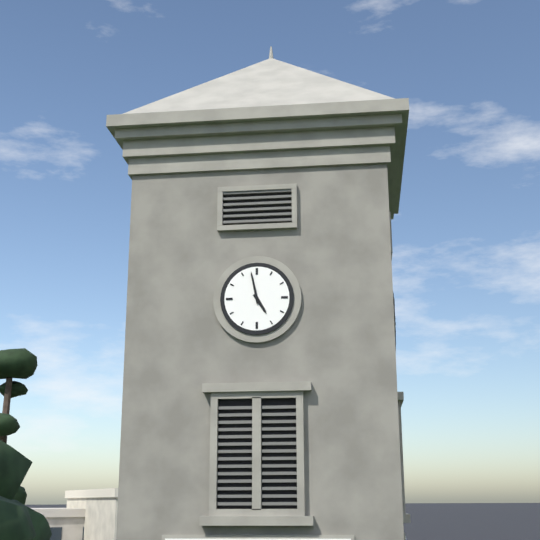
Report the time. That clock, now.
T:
4:58
